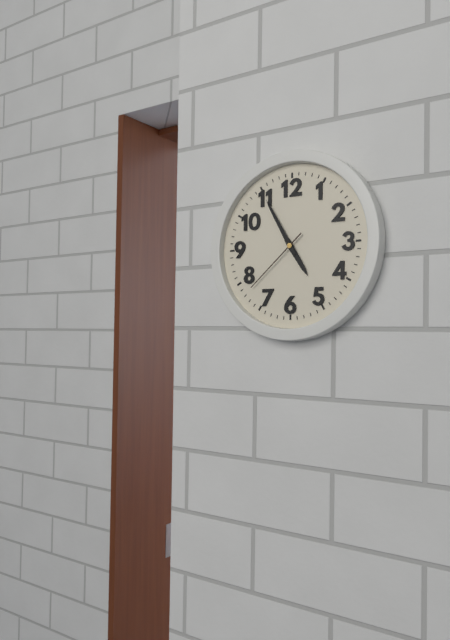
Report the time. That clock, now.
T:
4:55:38
